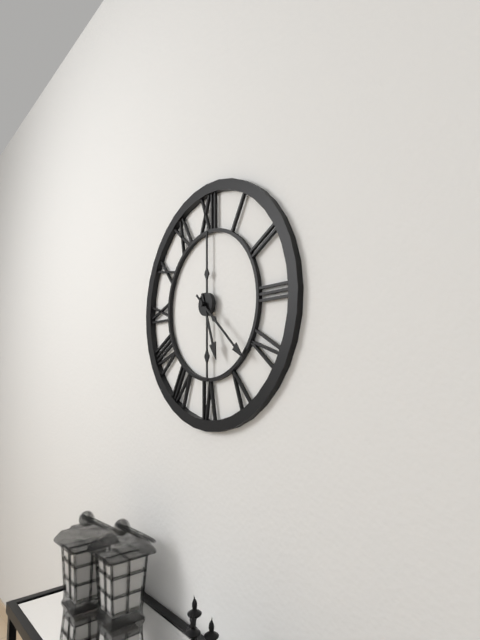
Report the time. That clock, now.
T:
5:22
